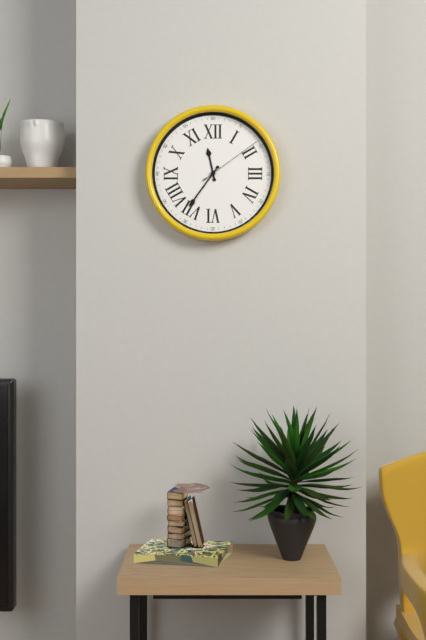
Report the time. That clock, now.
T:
11:36:09
